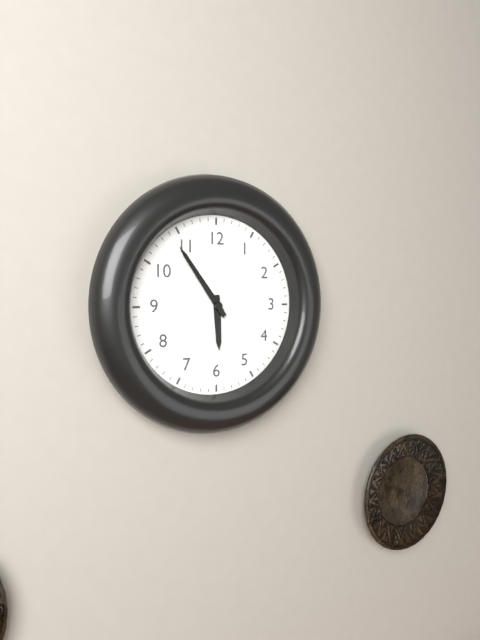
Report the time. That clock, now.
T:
5:54
